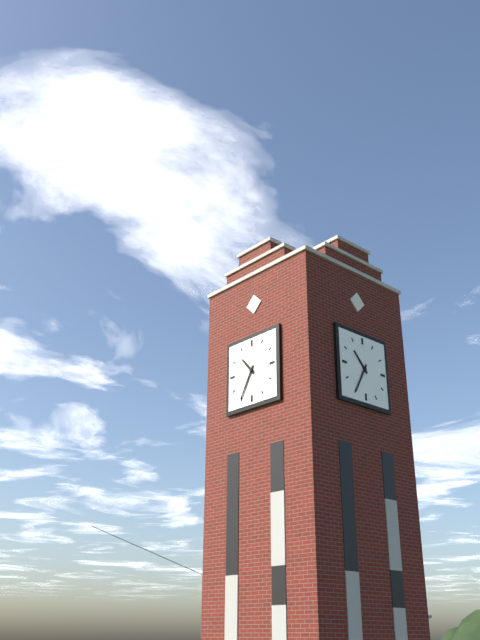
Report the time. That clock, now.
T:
10:35
